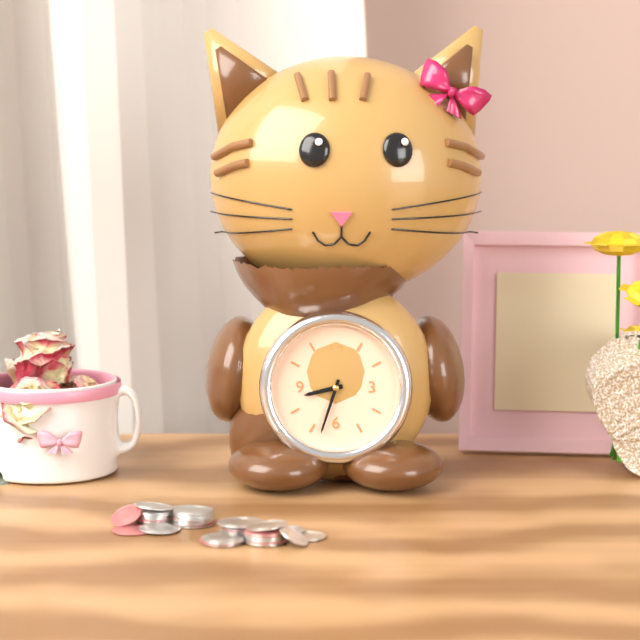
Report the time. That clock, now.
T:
8:33
